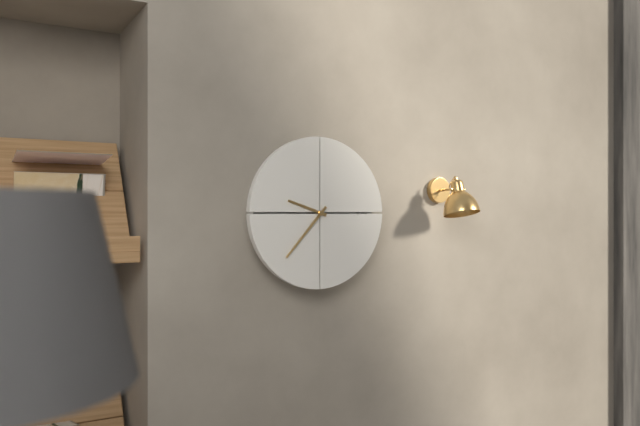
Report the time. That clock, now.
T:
9:37
